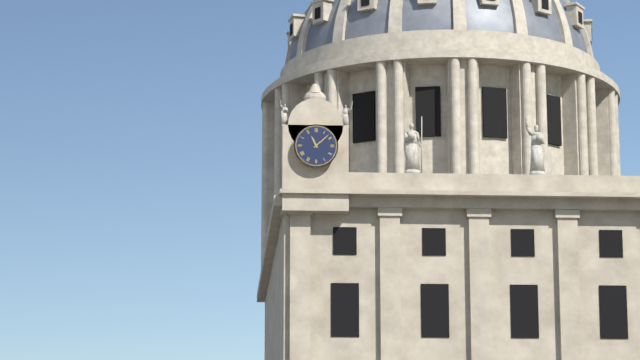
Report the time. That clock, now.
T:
11:08
